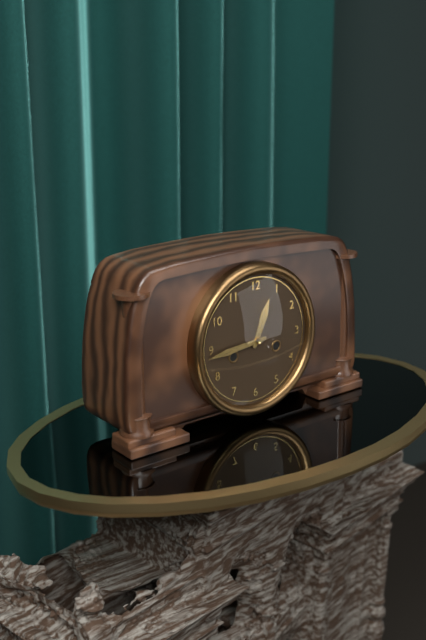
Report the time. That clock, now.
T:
12:44
